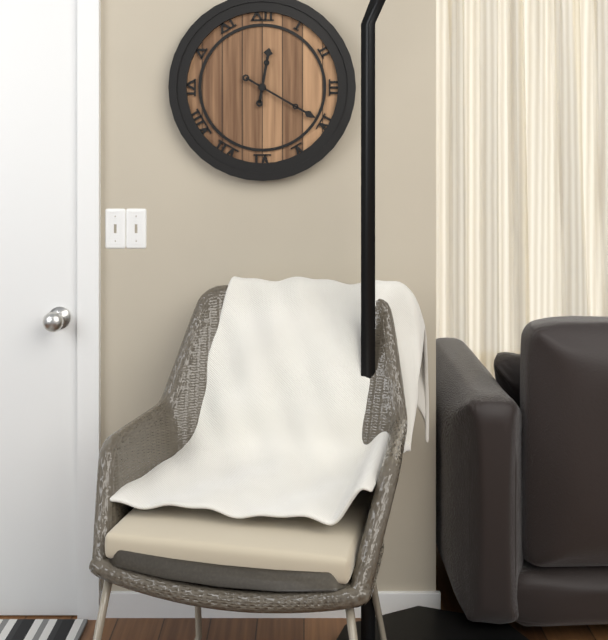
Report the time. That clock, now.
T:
12:20
